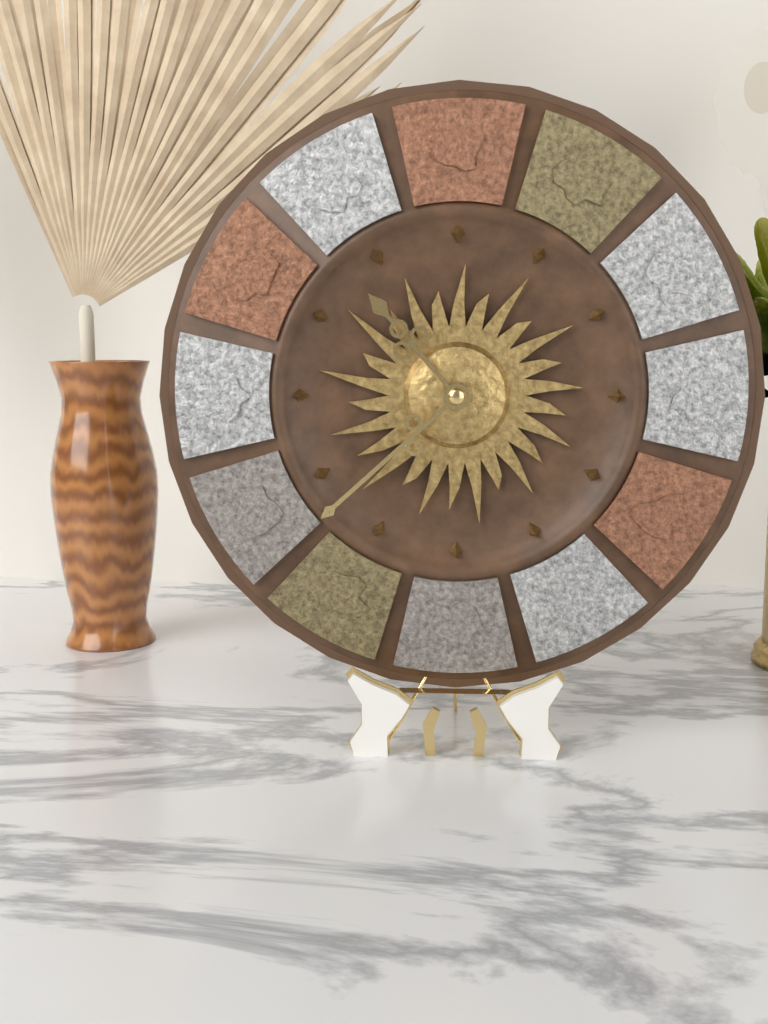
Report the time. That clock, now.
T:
10:38
